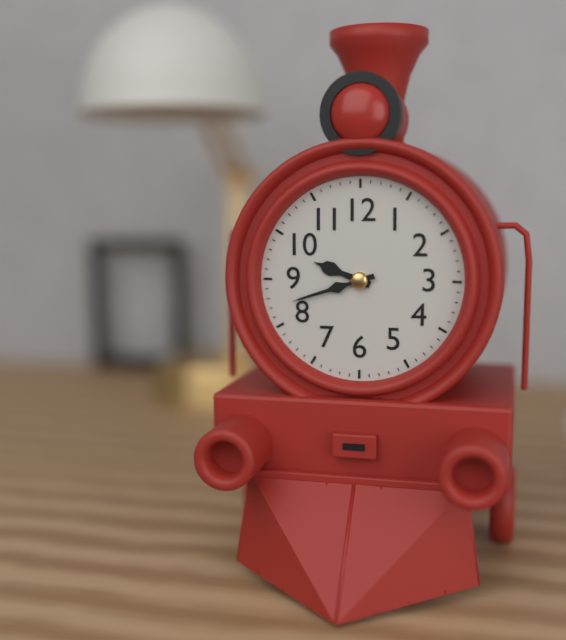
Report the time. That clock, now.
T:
9:42
